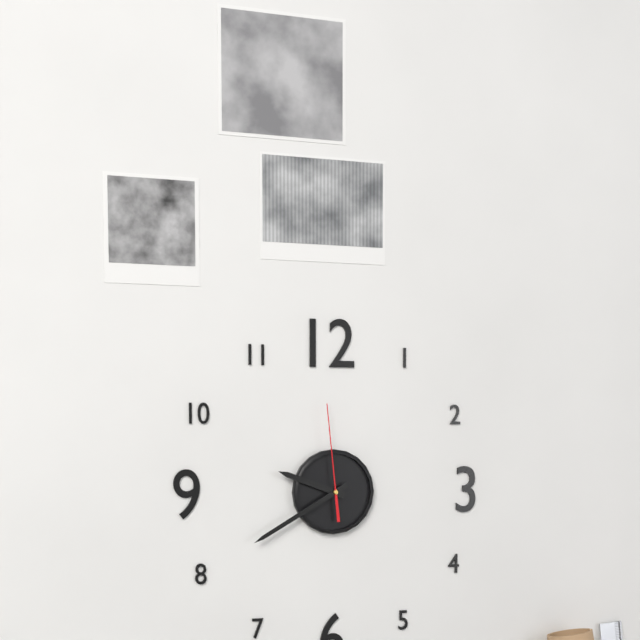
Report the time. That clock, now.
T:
9:40:59
